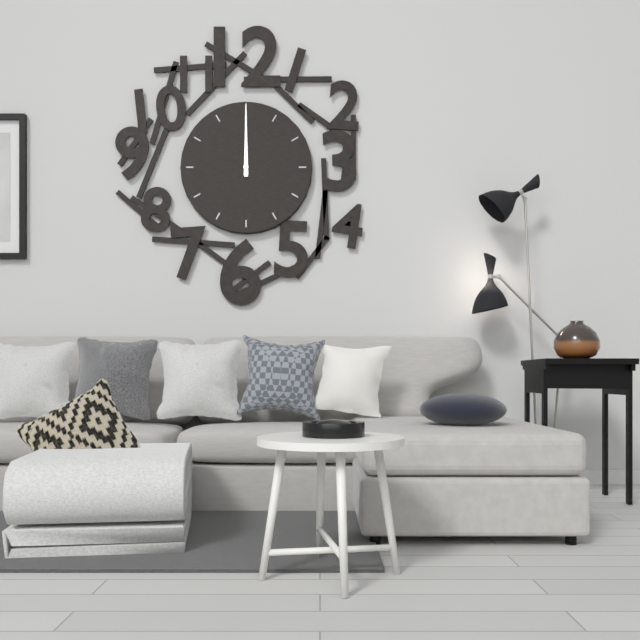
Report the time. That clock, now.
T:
12:00
